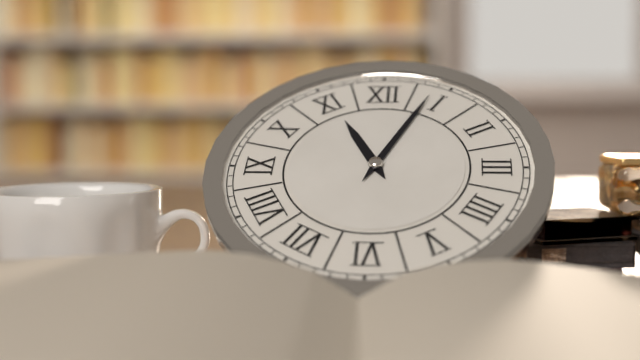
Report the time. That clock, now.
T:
11:04
